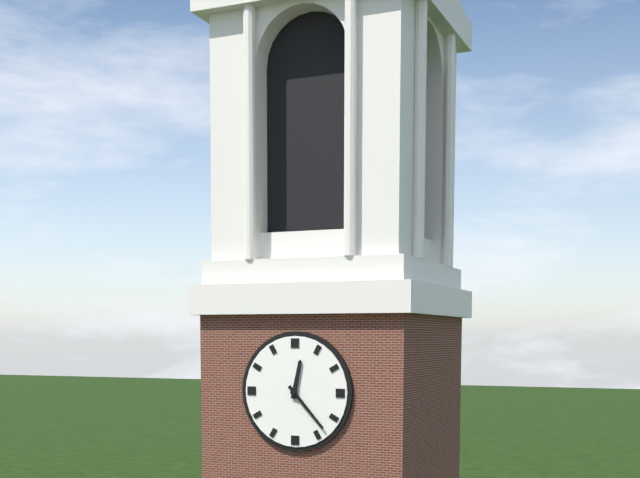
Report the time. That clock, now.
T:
12:23
